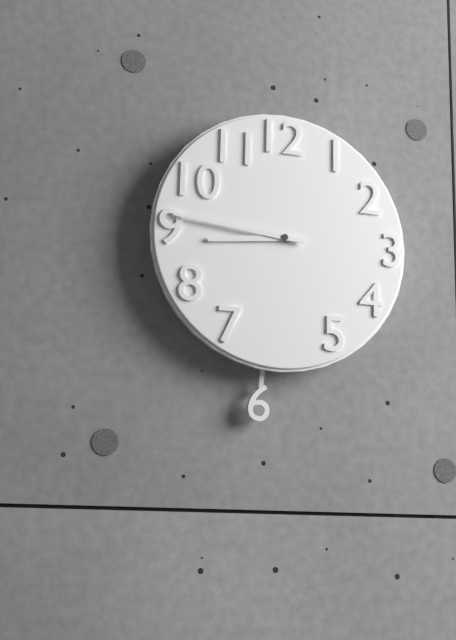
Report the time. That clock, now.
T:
8:46
